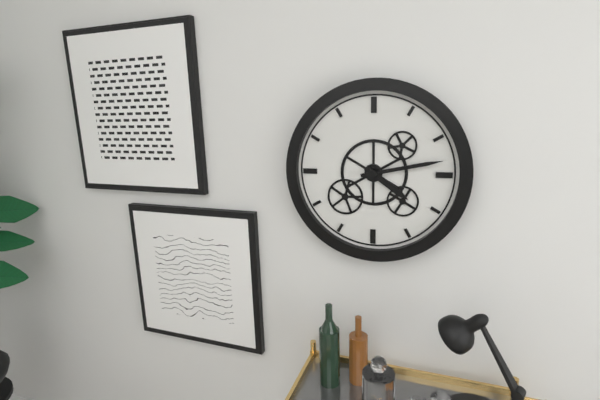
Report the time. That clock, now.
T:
4:13
